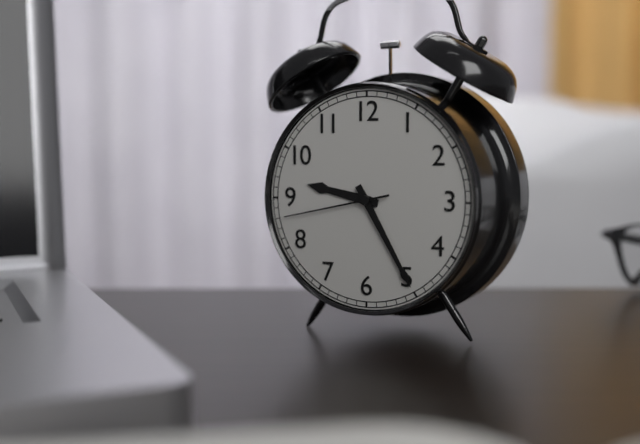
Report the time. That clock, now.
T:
9:25:43
